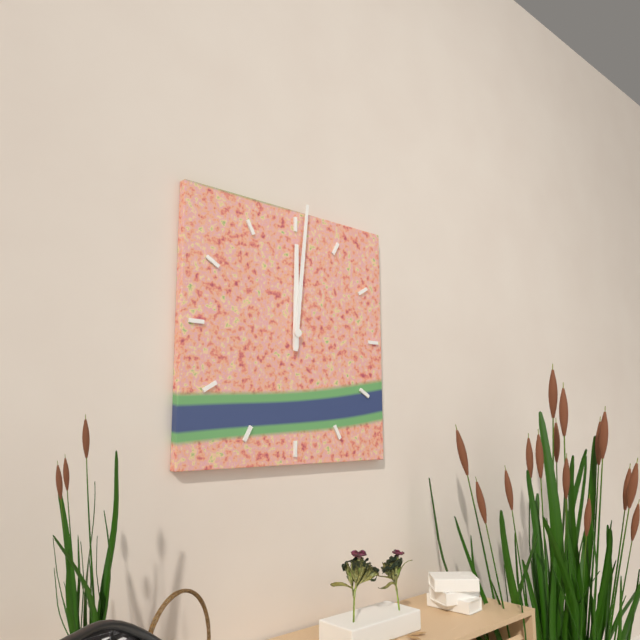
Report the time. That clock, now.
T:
12:01
